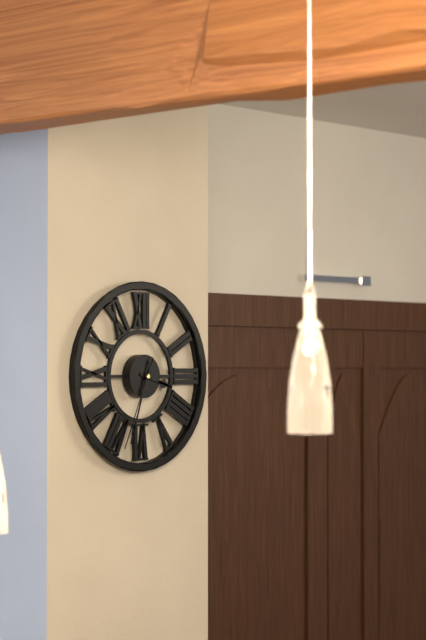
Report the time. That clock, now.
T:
3:33:34
